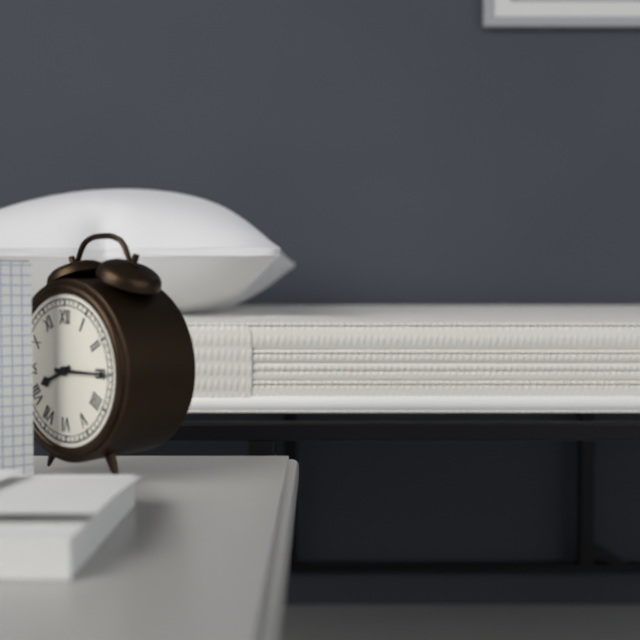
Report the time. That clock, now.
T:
8:15
